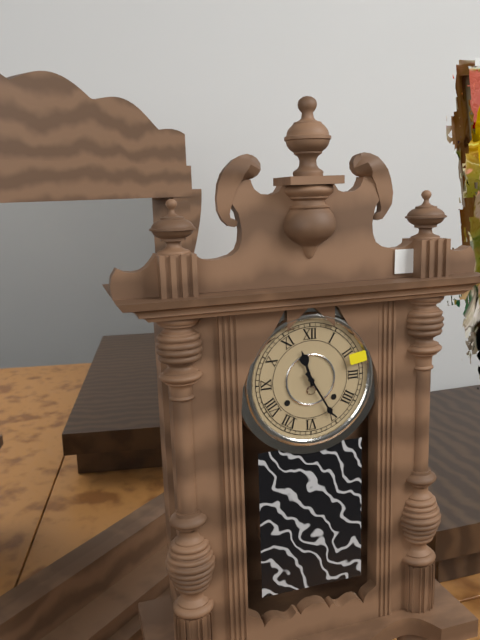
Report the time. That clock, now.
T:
11:25
